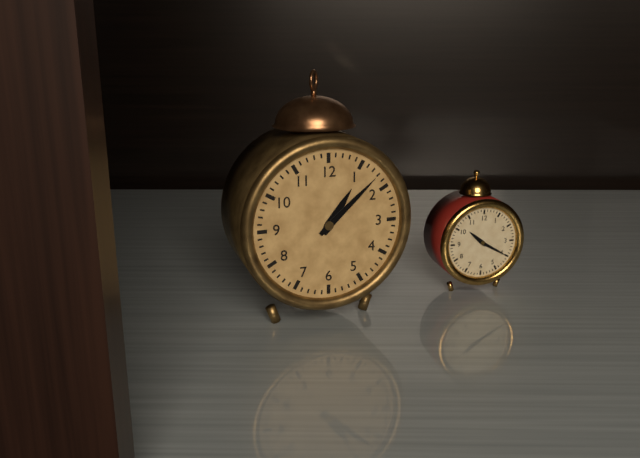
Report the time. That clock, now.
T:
1:08
